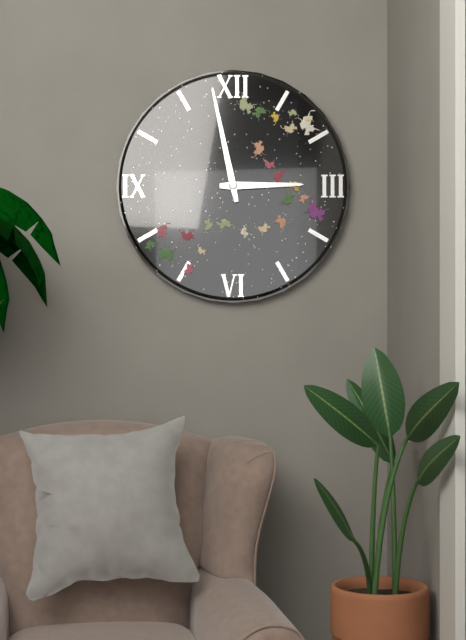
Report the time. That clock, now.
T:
2:58
